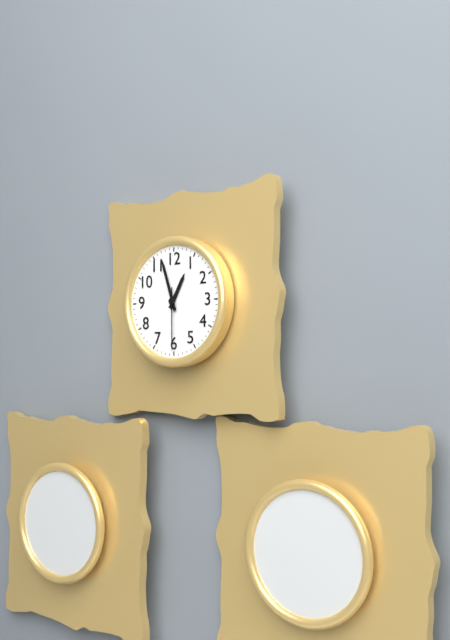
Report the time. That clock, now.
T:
12:57:30
